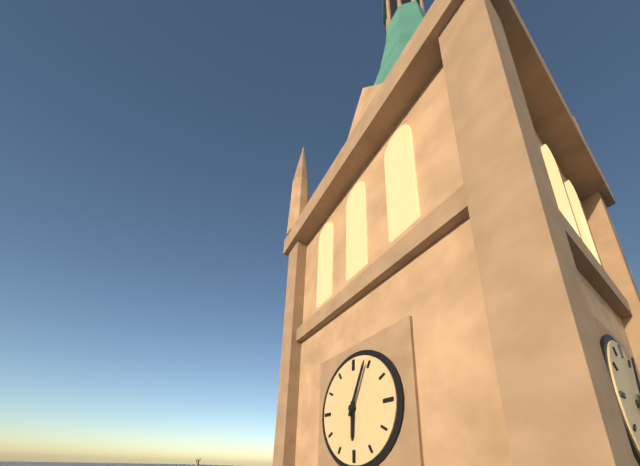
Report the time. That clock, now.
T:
6:04
